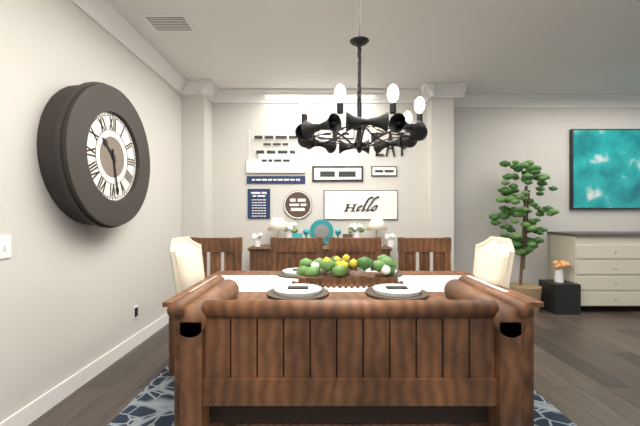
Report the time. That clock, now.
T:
10:28
